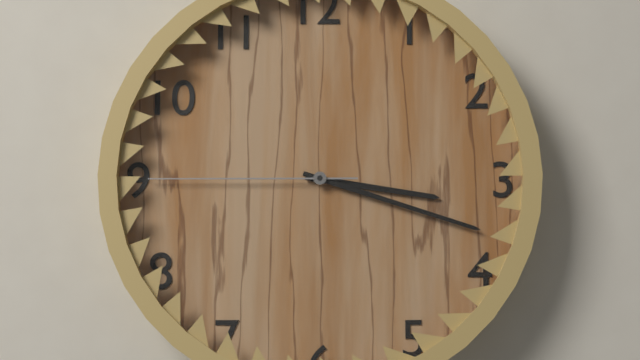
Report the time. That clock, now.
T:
3:18:45
